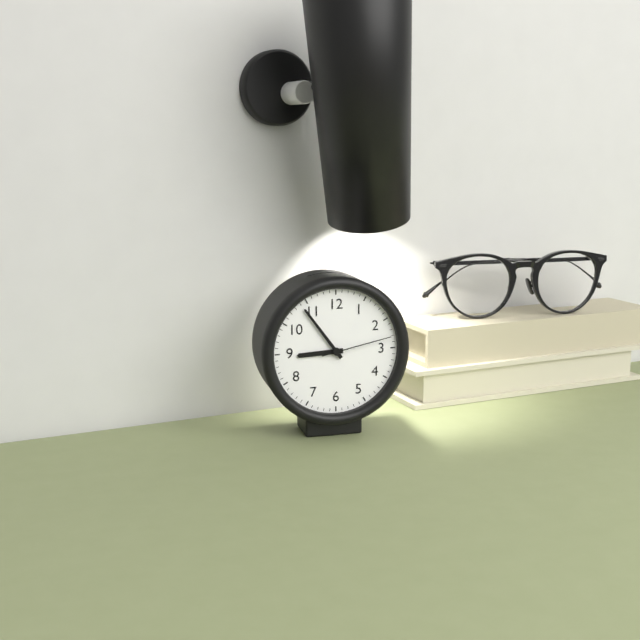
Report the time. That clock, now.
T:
8:54:13
